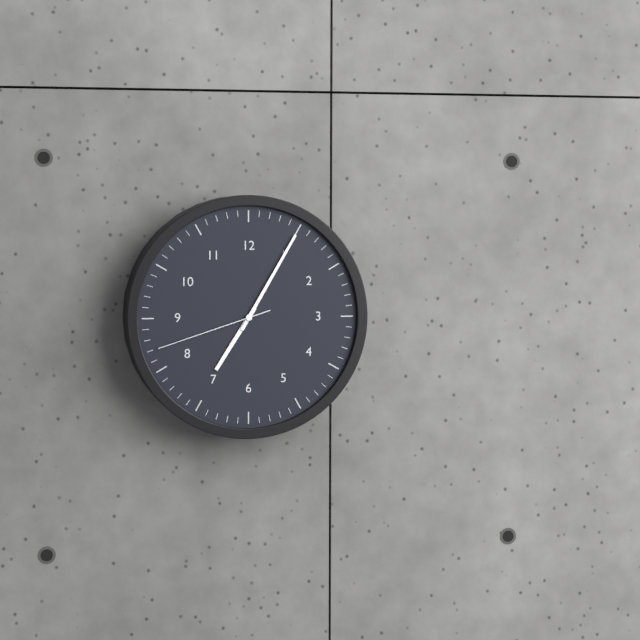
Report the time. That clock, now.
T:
7:05:42
